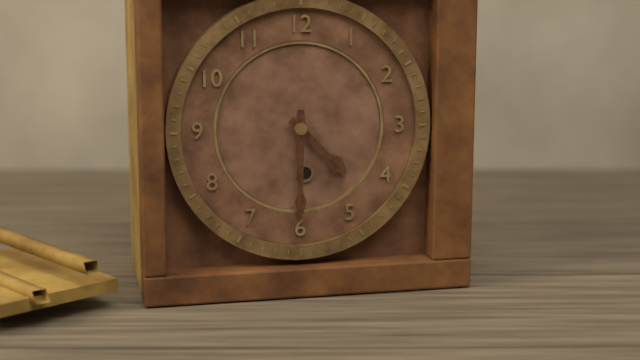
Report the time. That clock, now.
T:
4:30
